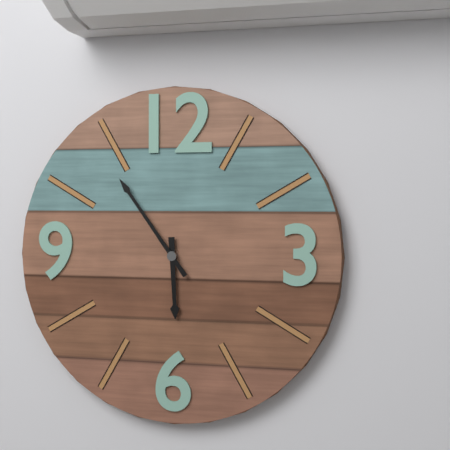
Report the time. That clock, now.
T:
5:54
